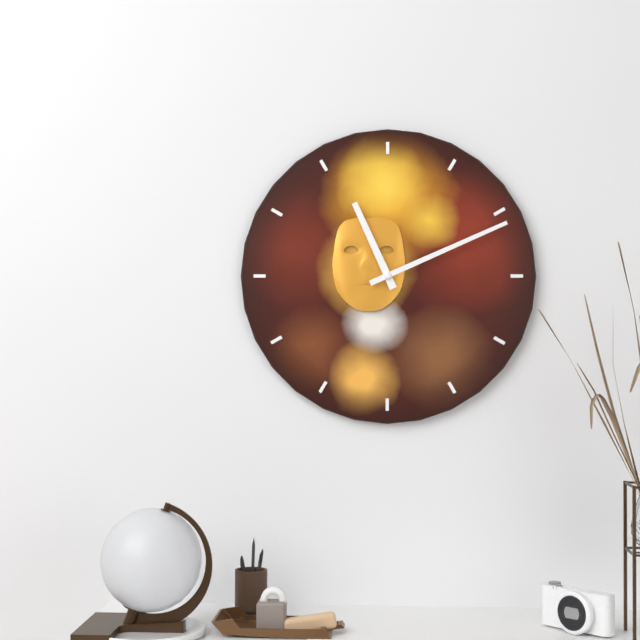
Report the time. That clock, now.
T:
11:11
